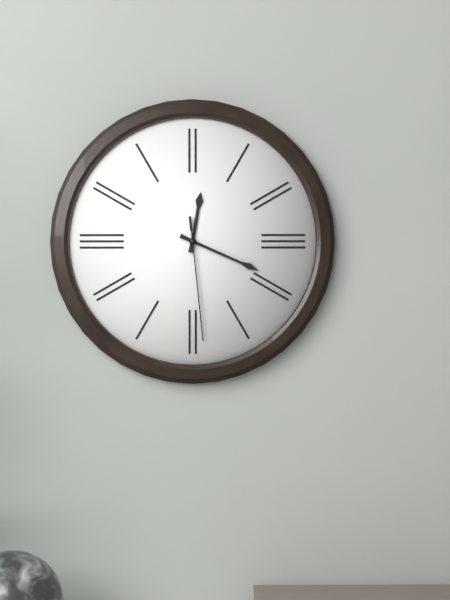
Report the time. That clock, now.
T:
12:19:29
